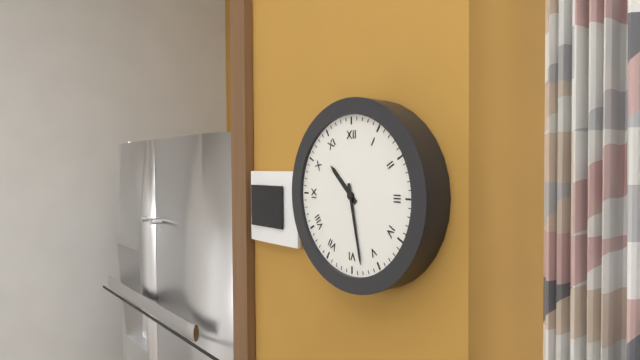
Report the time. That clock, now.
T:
10:28
